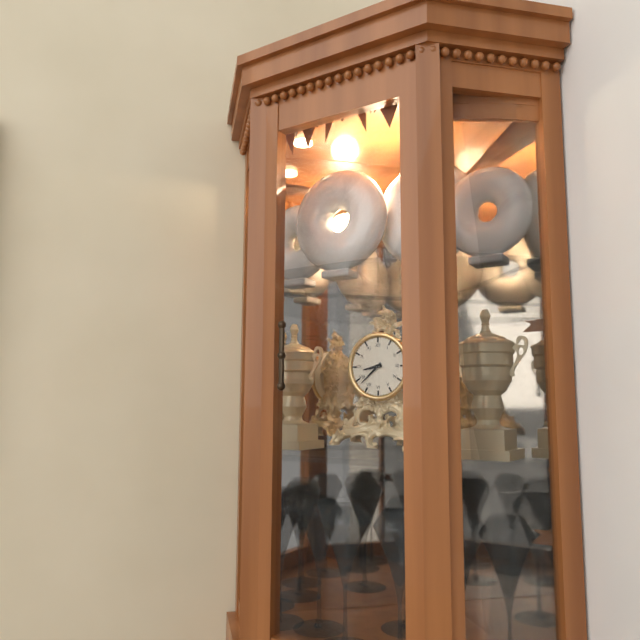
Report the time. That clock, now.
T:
8:38
